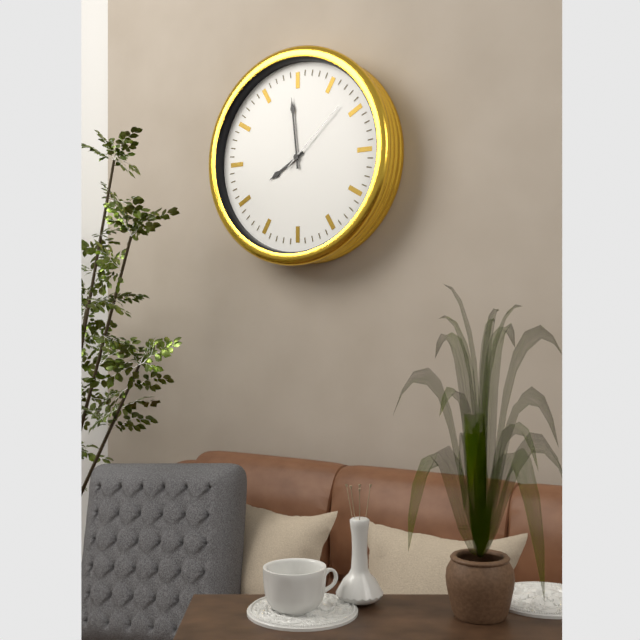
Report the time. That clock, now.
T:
7:59:08
